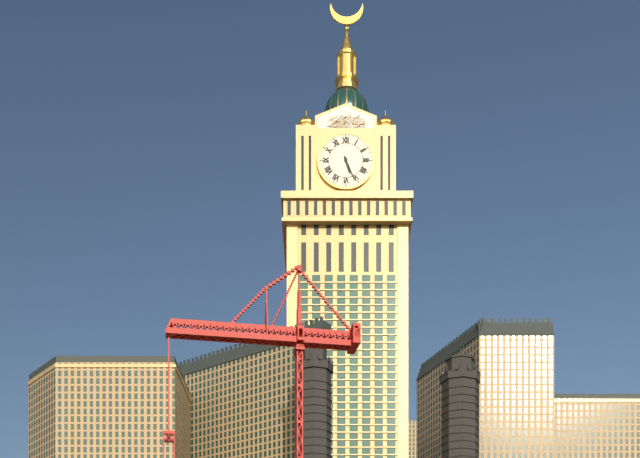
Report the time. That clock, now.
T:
5:26
